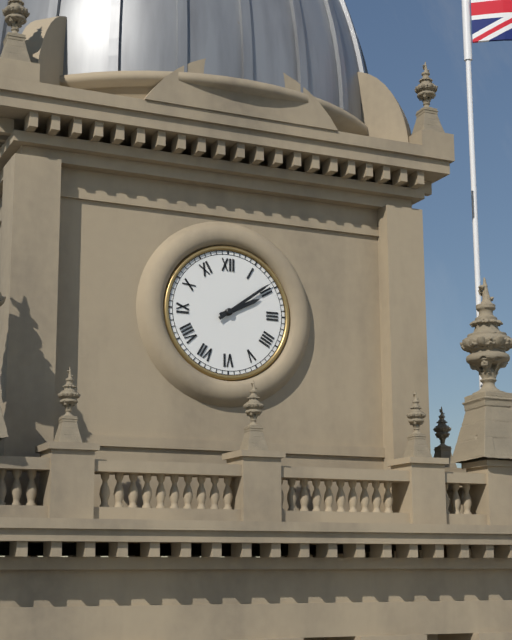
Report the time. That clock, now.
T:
2:09
